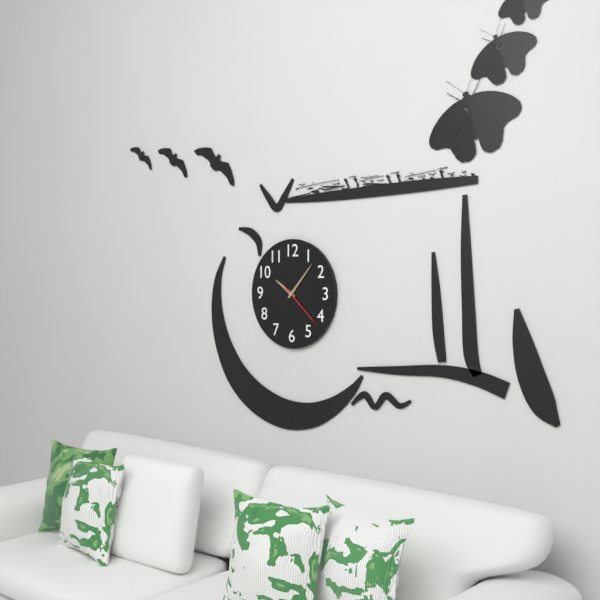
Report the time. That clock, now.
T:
10:07
